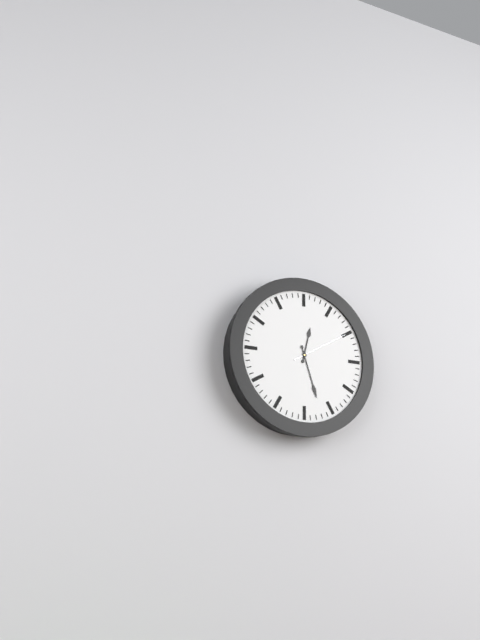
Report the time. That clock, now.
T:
12:27:10
